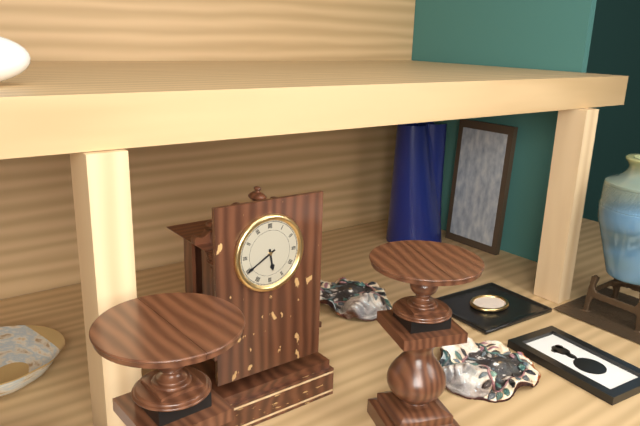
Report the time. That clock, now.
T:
5:40
